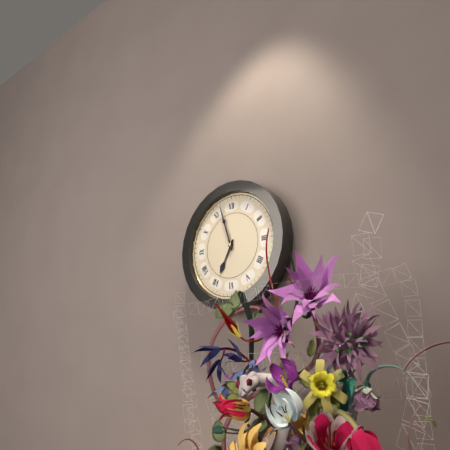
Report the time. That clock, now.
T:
6:57
